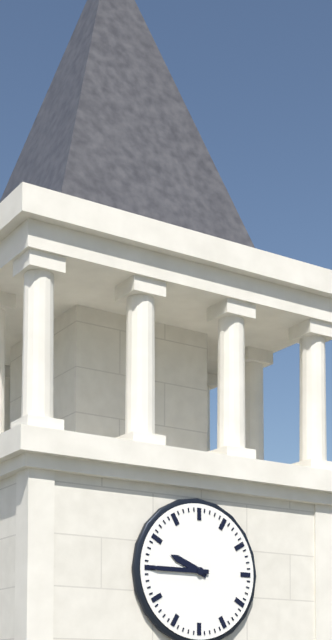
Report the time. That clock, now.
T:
9:45
